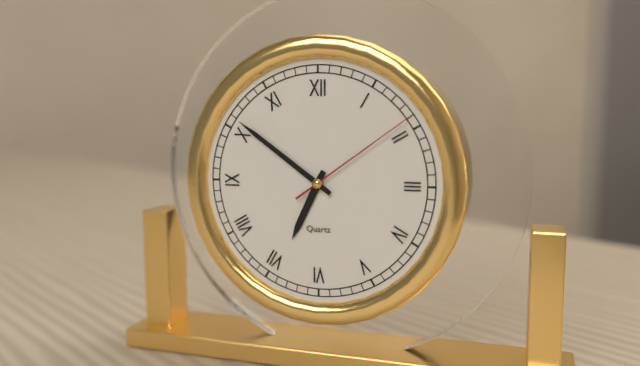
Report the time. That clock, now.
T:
6:51:09
